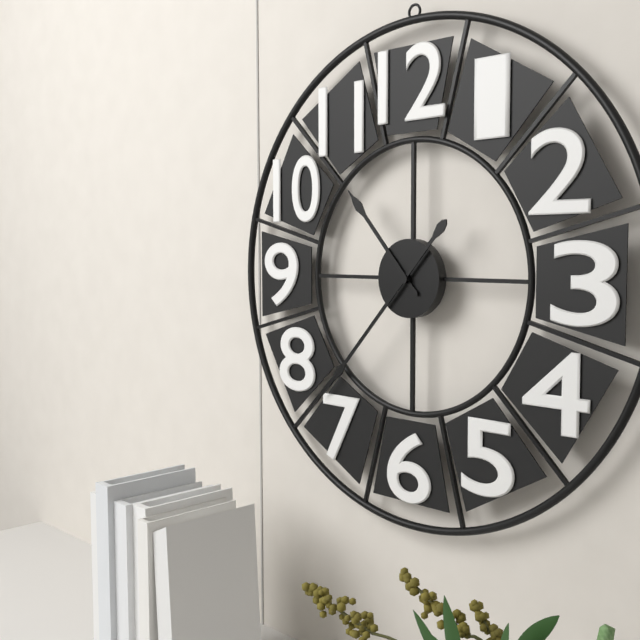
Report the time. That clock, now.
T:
10:37
